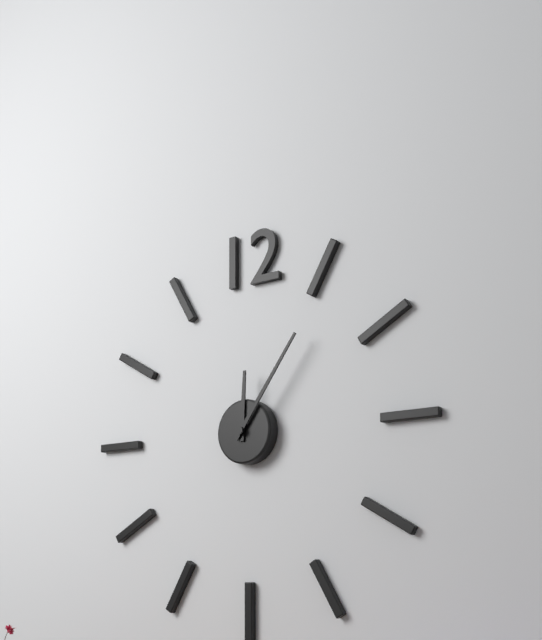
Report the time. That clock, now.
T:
12:06
